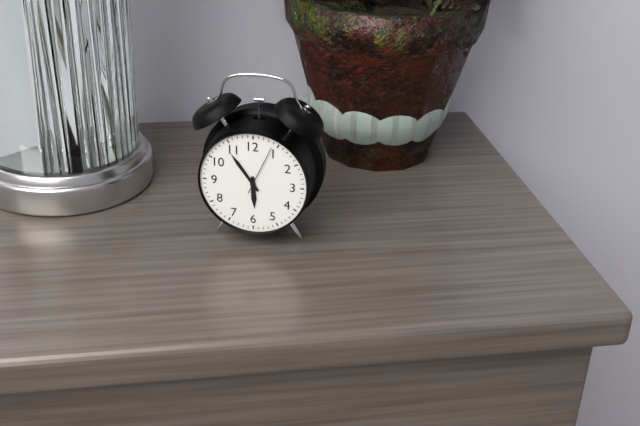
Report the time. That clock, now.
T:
5:54:04
